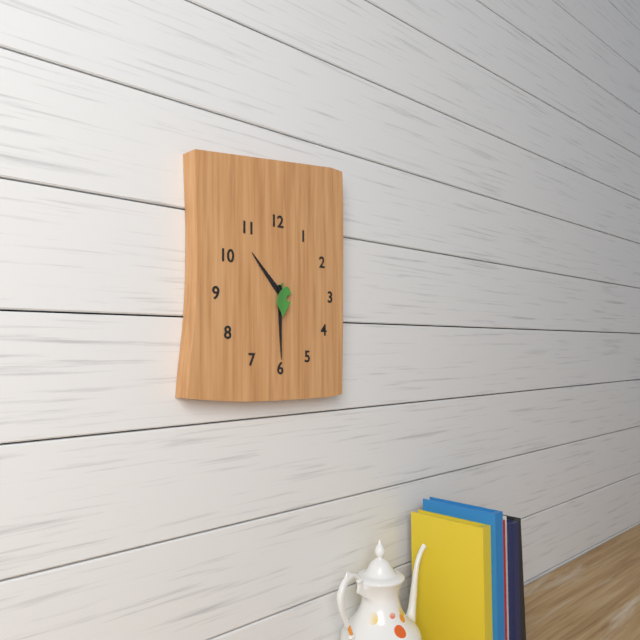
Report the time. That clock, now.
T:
10:30
